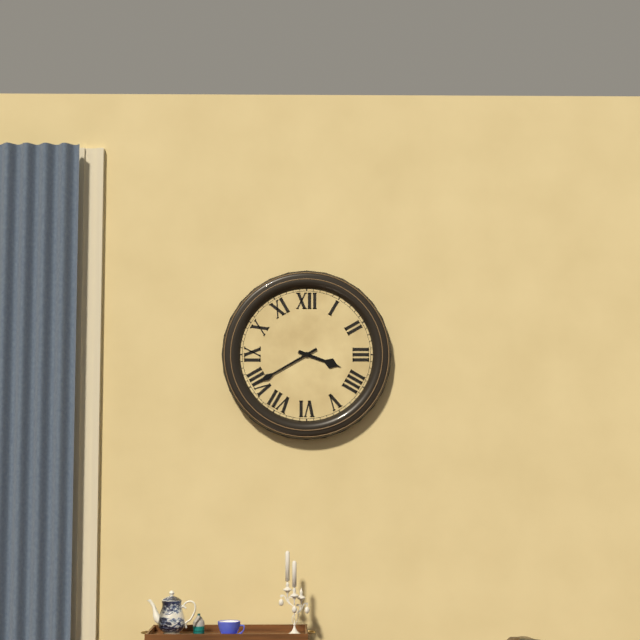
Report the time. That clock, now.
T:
3:40
